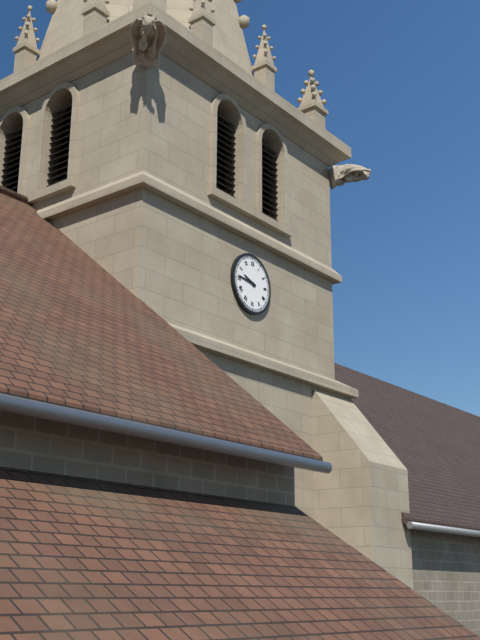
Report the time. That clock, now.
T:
9:46
